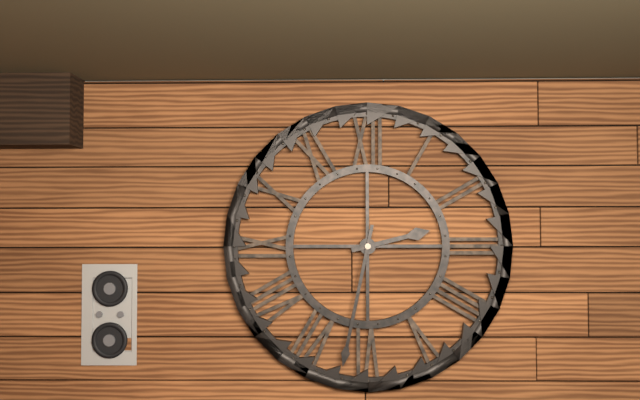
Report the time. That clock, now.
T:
2:32
